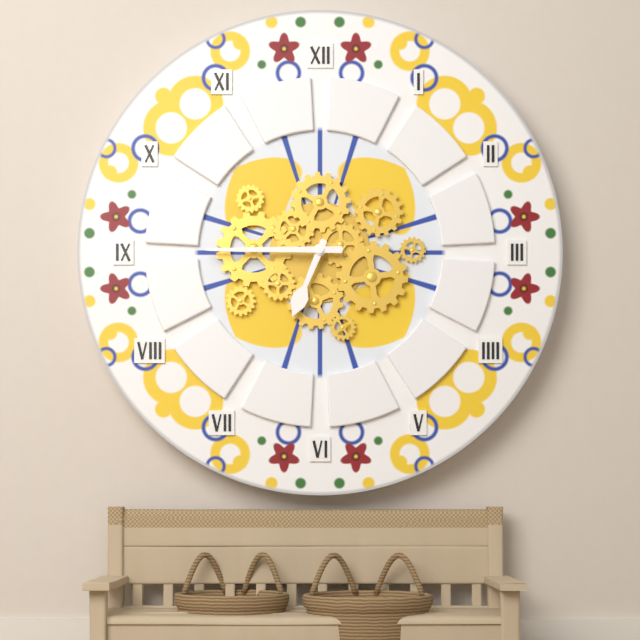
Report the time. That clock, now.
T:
6:45
